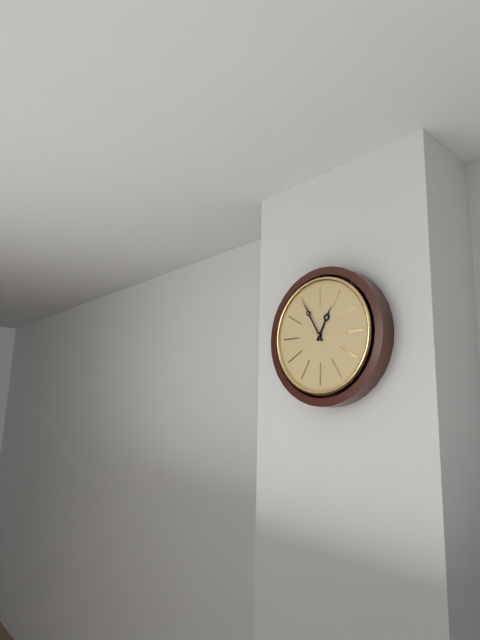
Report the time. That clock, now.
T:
12:55
